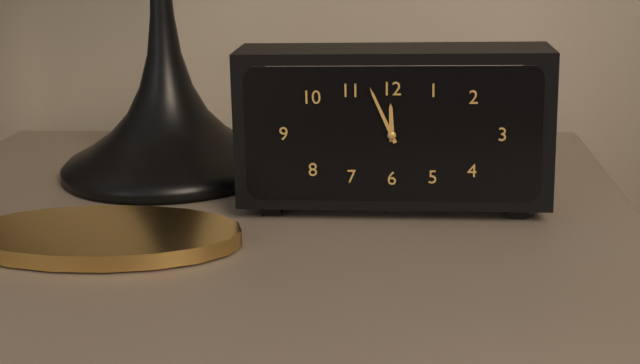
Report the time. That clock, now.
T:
11:56
